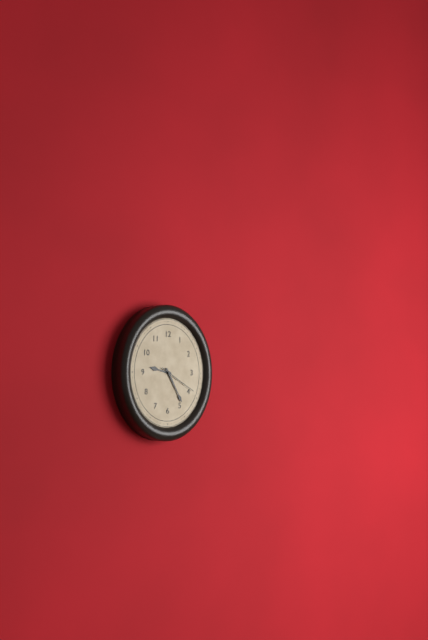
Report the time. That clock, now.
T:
9:25
